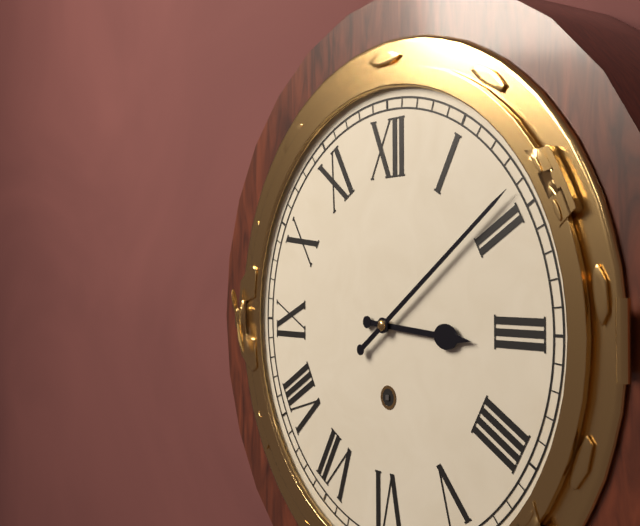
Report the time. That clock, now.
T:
3:09
